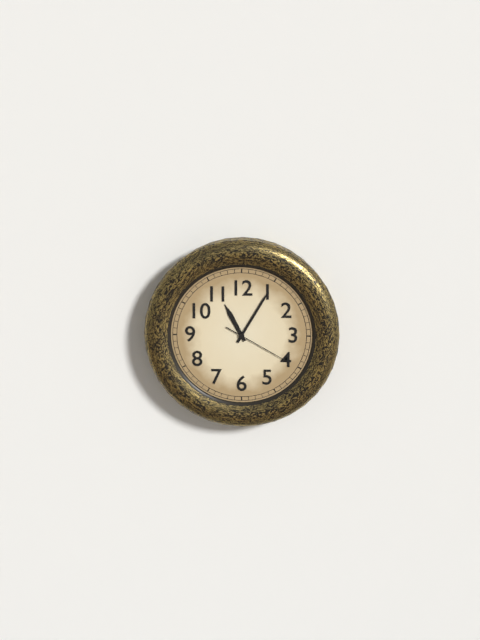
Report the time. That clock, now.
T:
11:05:20
